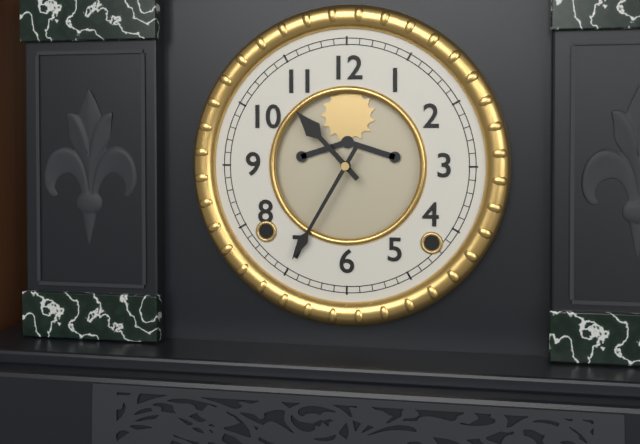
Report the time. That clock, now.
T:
10:35
